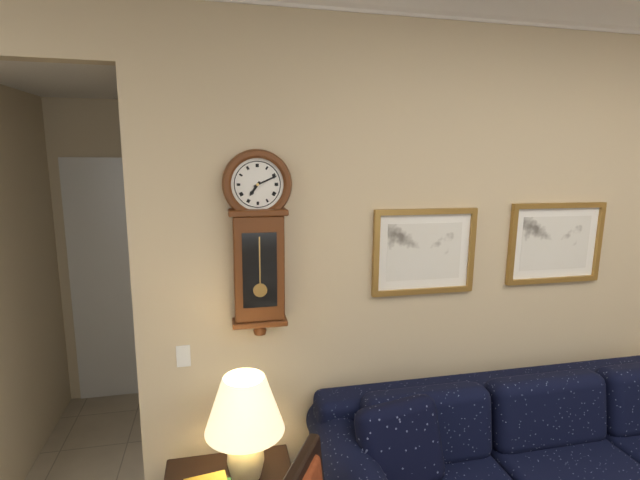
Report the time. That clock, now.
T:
7:11
